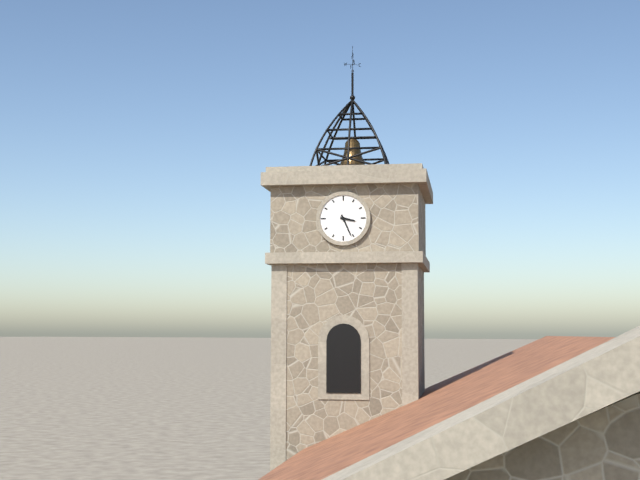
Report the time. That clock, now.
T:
3:26
